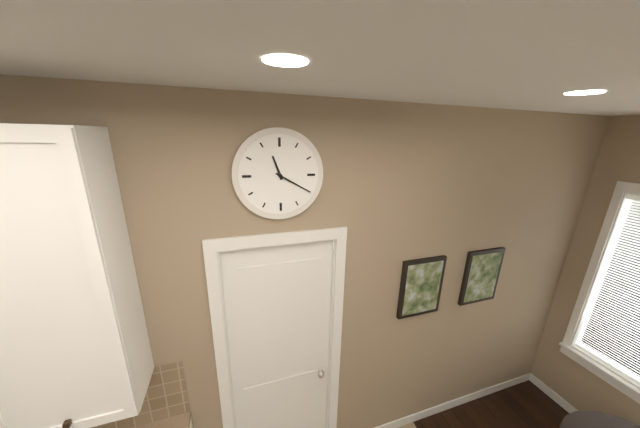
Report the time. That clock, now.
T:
11:20
